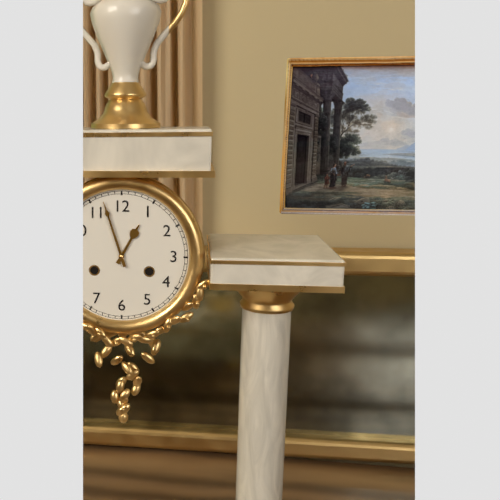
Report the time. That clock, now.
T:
12:57
